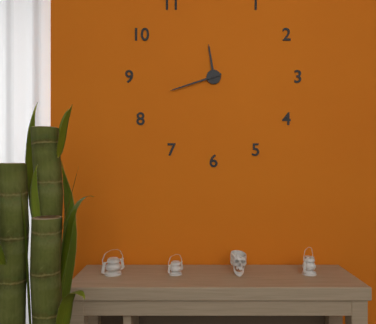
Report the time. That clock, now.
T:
11:42
